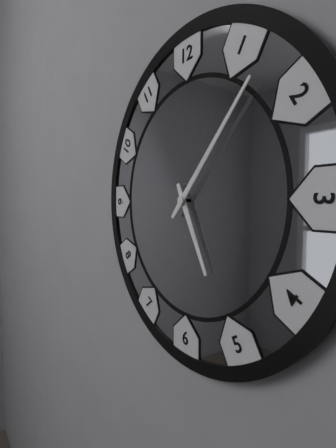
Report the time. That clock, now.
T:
5:07
